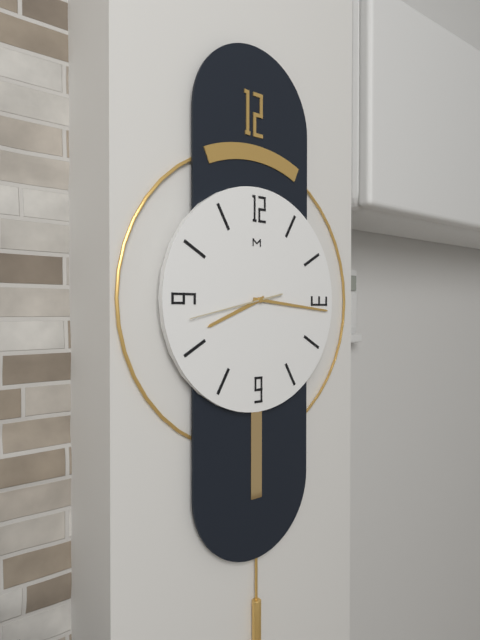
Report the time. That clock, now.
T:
8:16:43
